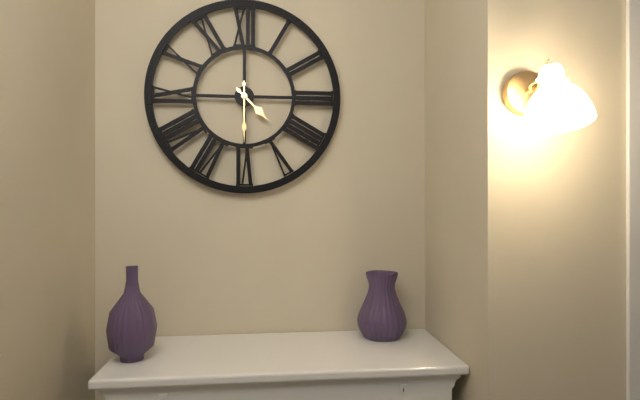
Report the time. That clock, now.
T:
4:30
